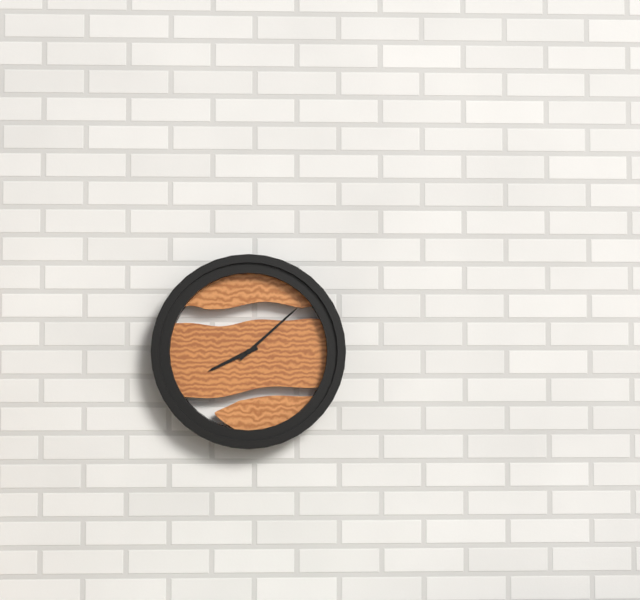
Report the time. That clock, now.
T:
8:08
